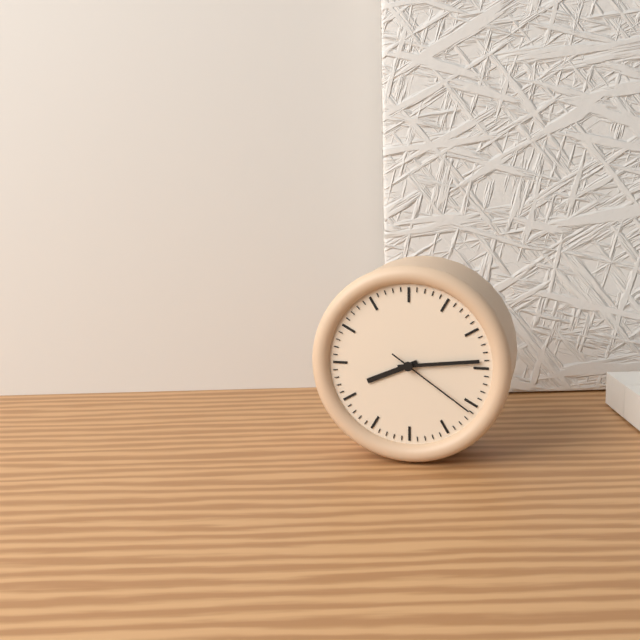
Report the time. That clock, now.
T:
8:14:21
